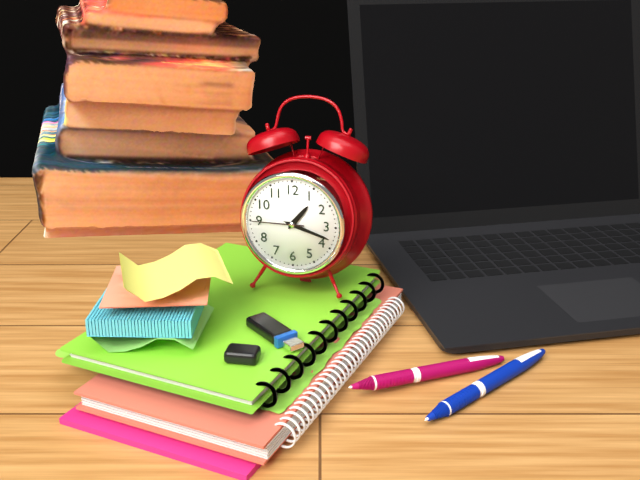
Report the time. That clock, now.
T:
1:18:45
